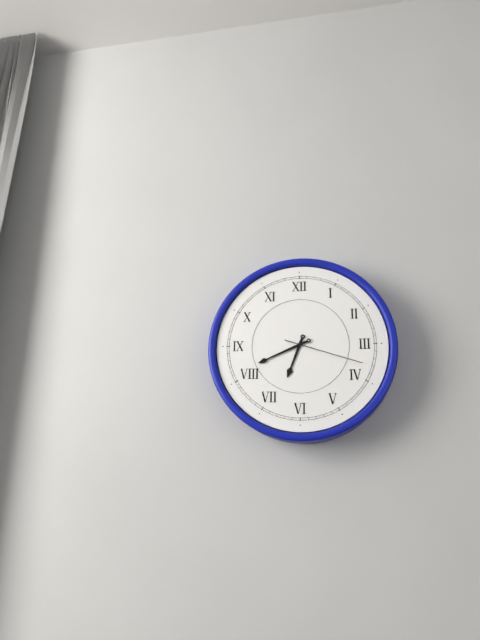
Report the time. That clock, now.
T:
6:41:18
